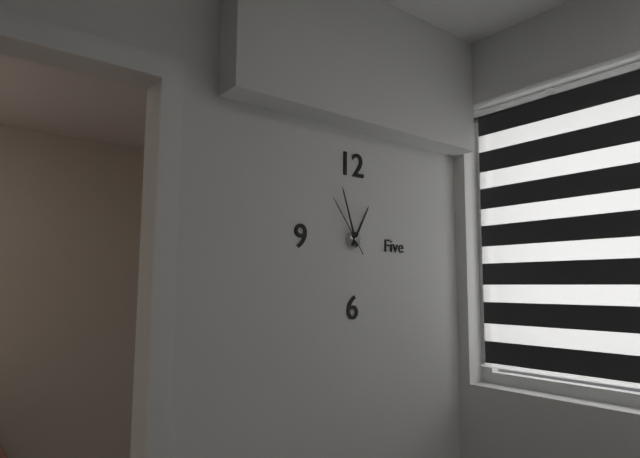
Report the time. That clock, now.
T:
12:57:54
